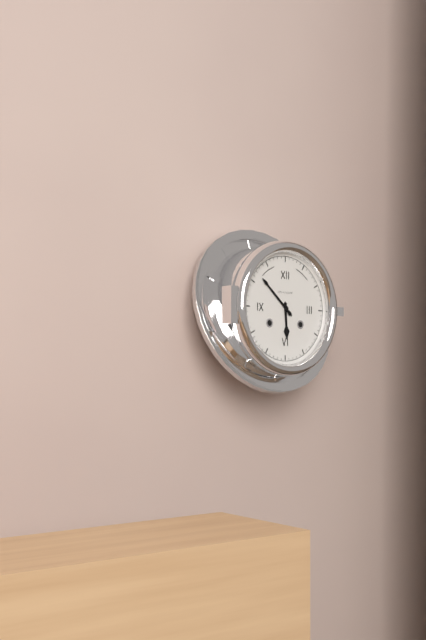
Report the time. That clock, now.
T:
5:52
